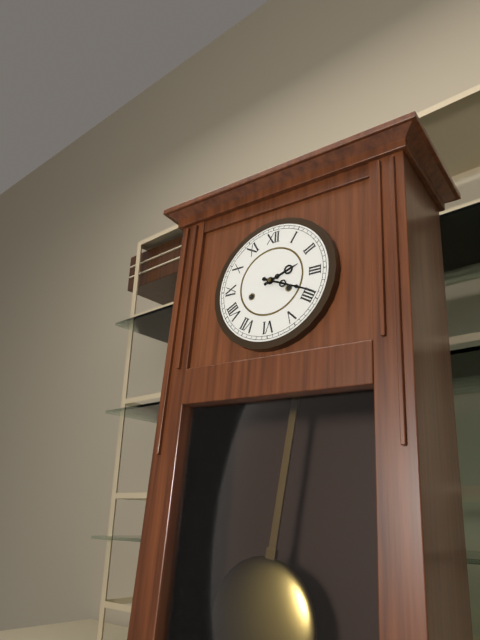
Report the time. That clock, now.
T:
2:19
